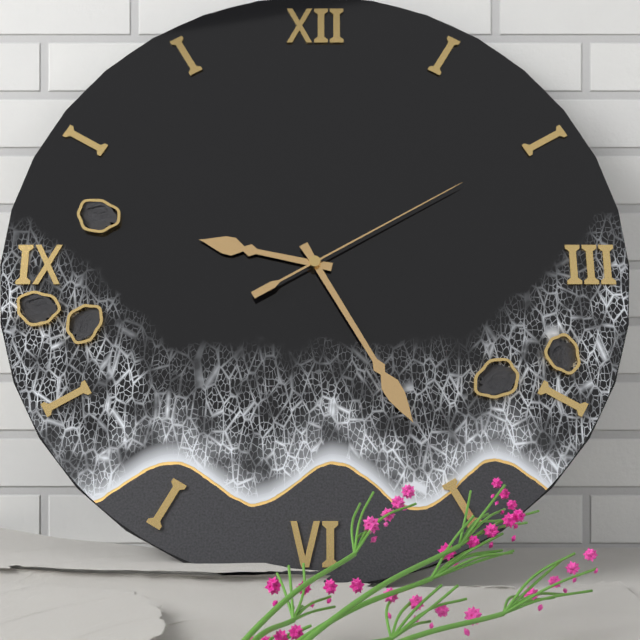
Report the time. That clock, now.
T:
9:25:10
